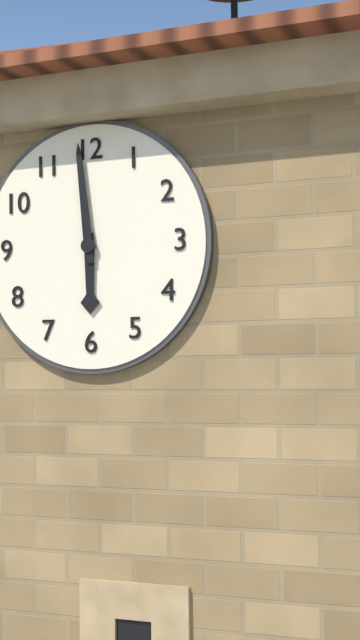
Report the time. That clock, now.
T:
5:59
